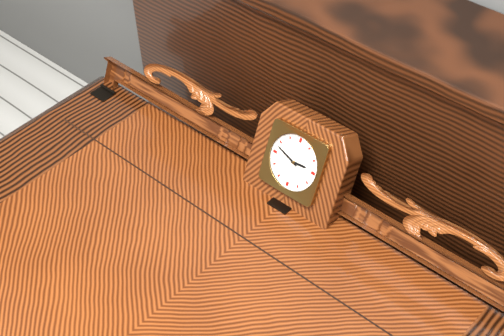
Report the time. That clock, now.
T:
2:48
